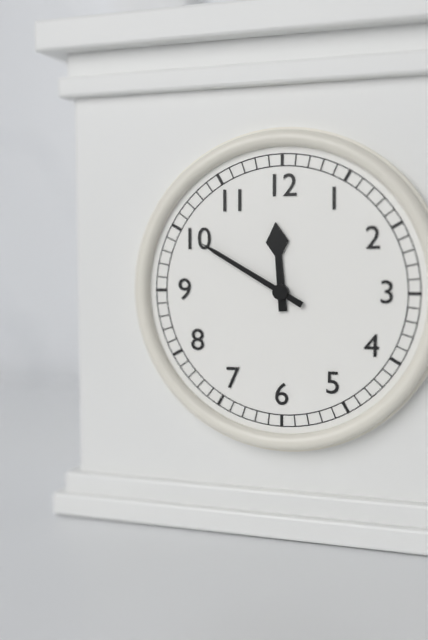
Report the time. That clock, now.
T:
11:50
